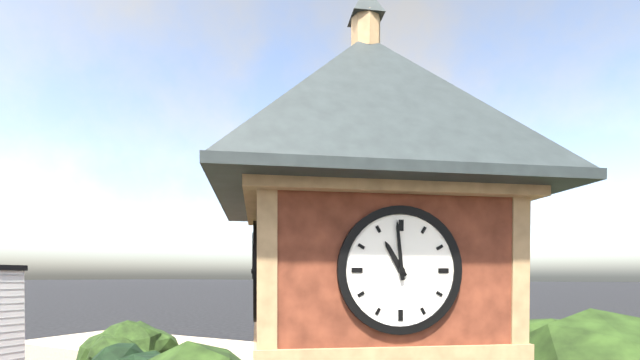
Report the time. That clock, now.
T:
10:59
